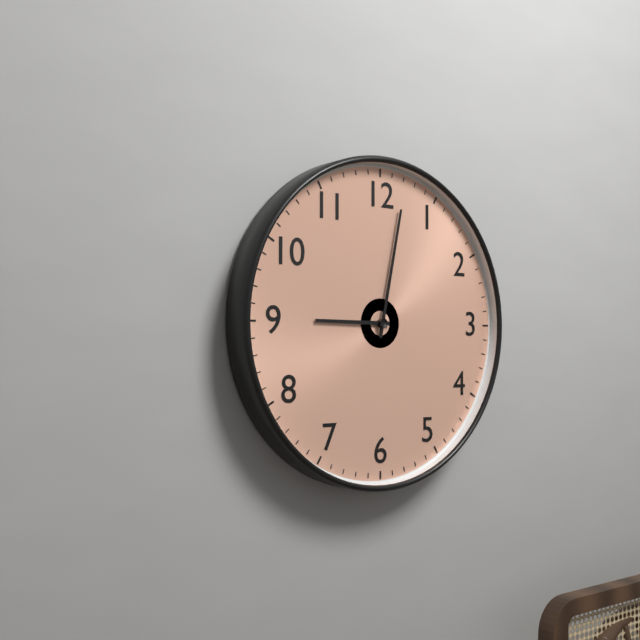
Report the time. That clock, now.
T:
9:02
